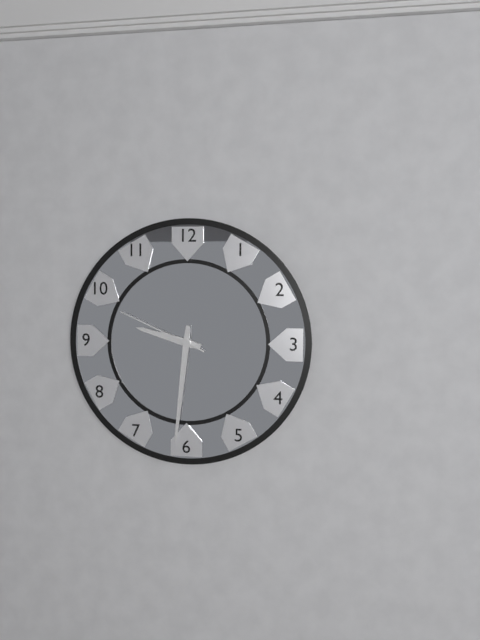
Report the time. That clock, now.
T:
9:31:49
